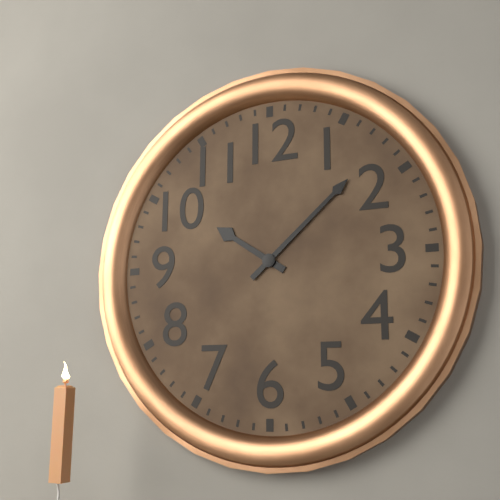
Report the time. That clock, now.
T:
10:08
